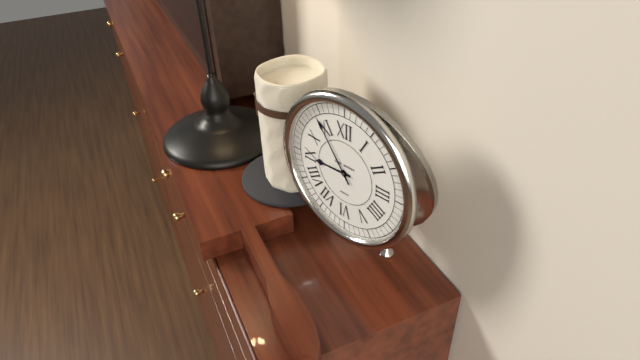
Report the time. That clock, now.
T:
8:54
